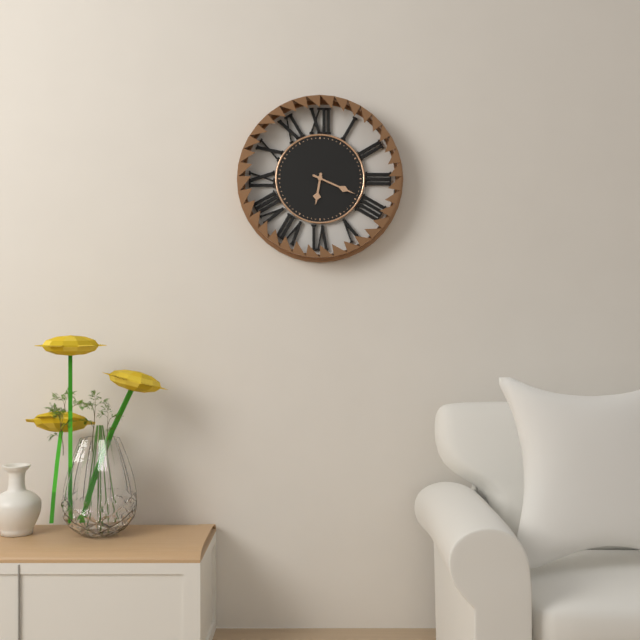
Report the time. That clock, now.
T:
6:19
